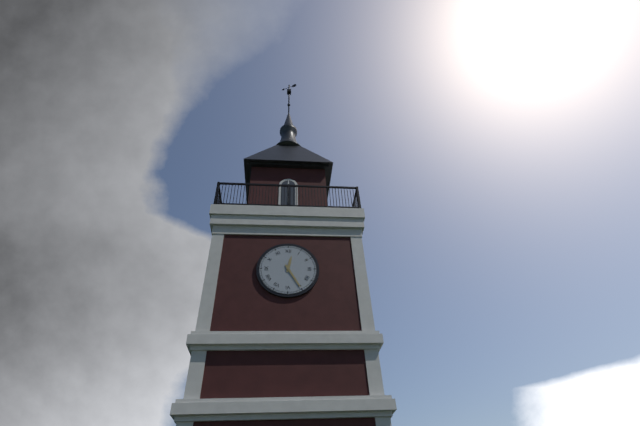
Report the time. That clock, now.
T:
12:25
